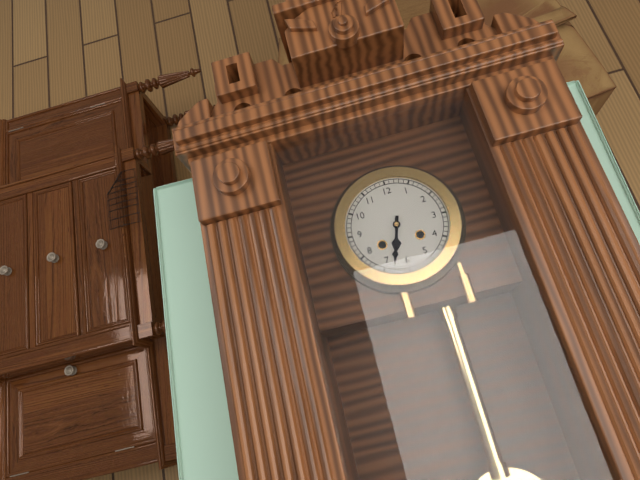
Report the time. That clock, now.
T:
6:33
